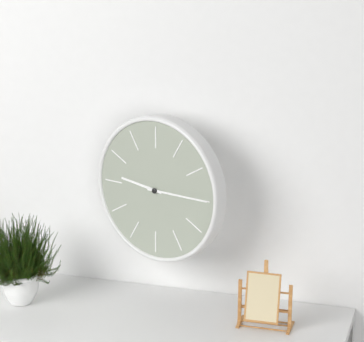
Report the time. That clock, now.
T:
9:15
